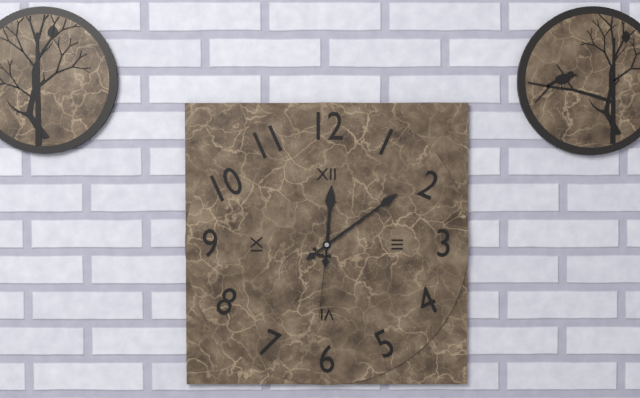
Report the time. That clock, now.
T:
12:09:31
